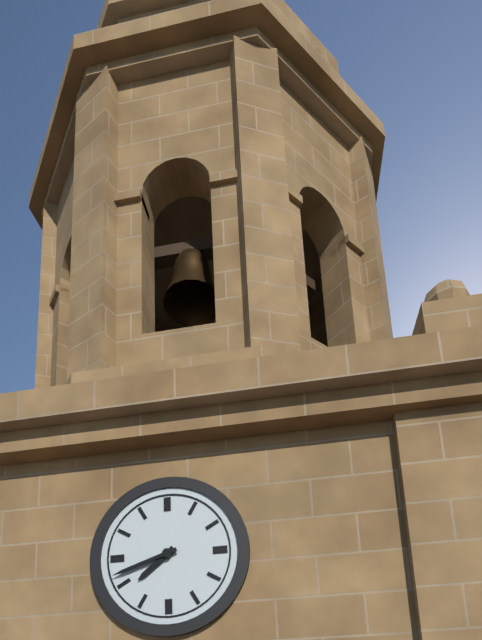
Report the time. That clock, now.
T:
7:42
